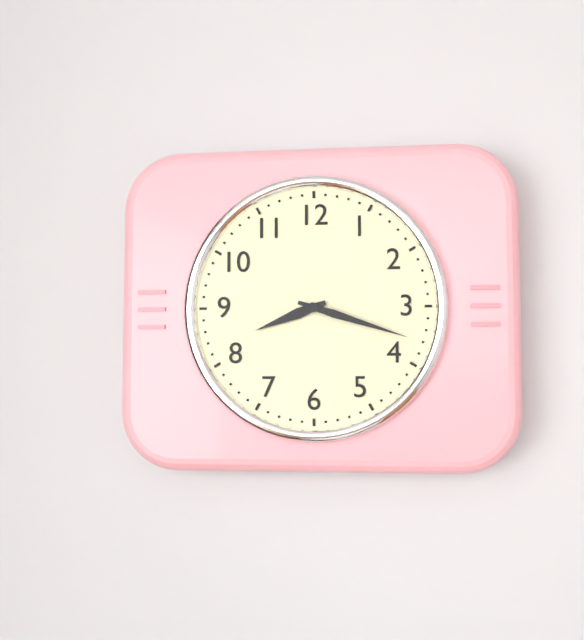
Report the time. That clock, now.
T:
8:18
